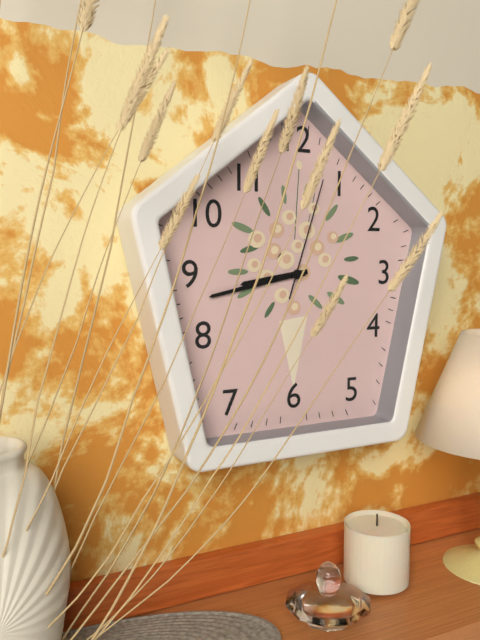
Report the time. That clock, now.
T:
8:43:03
